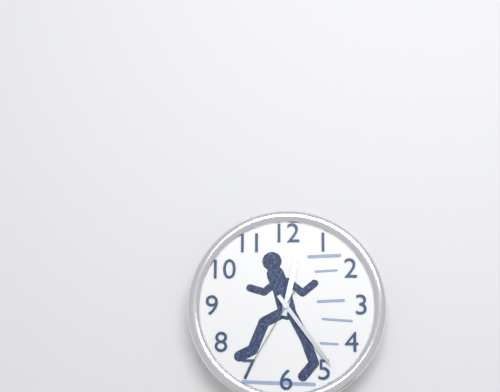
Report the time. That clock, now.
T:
12:24:35
